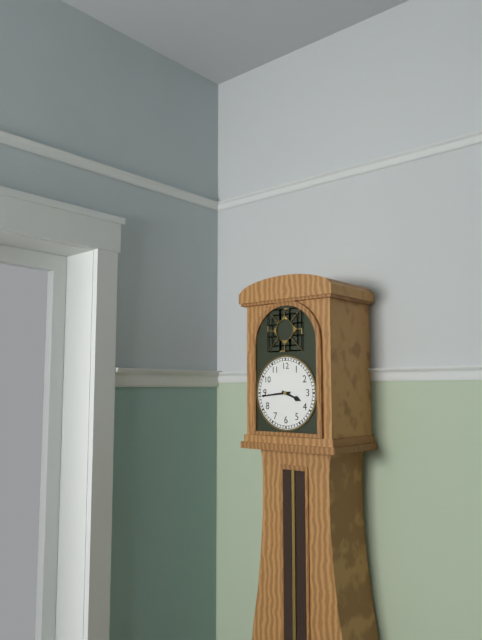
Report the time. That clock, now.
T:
3:44
